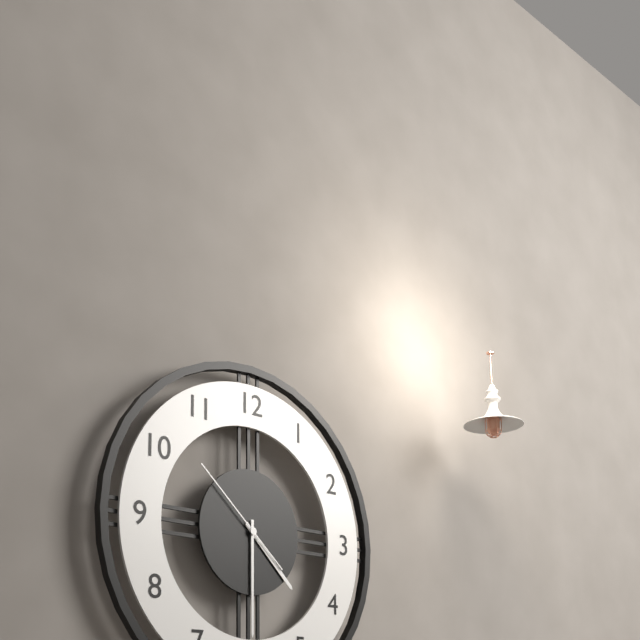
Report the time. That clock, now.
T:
4:30:52
